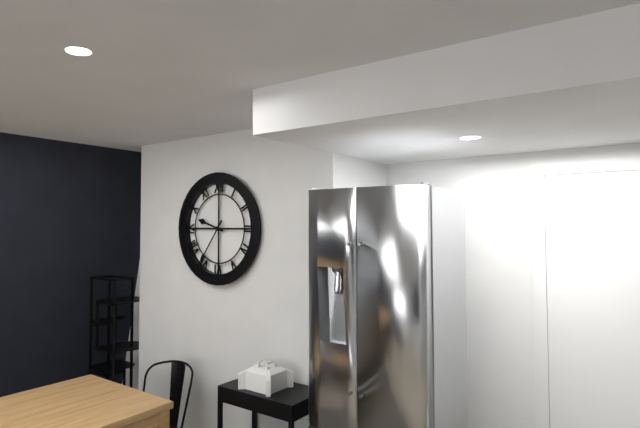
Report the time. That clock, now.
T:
9:36
